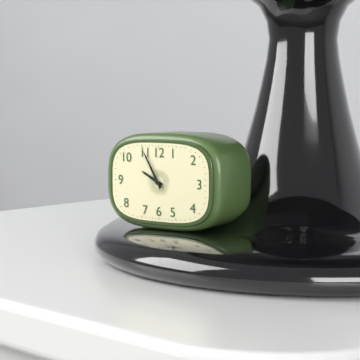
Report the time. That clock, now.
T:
9:55
